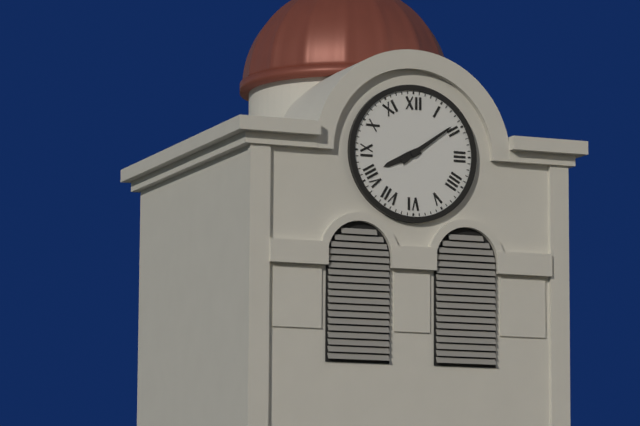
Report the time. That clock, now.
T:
8:09
